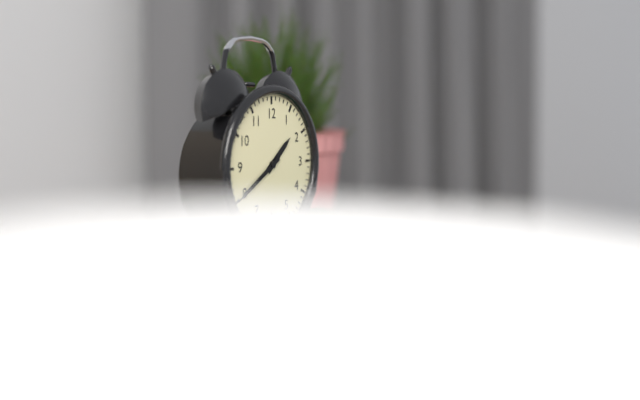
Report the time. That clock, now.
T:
1:40
